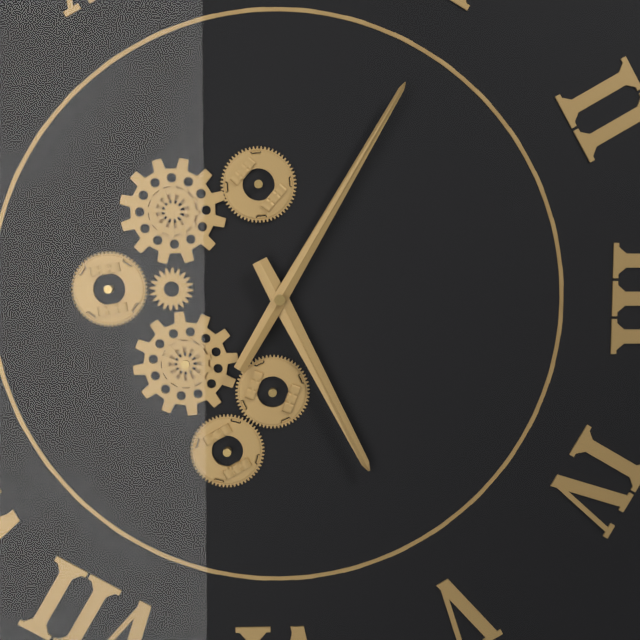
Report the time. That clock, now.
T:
5:05
